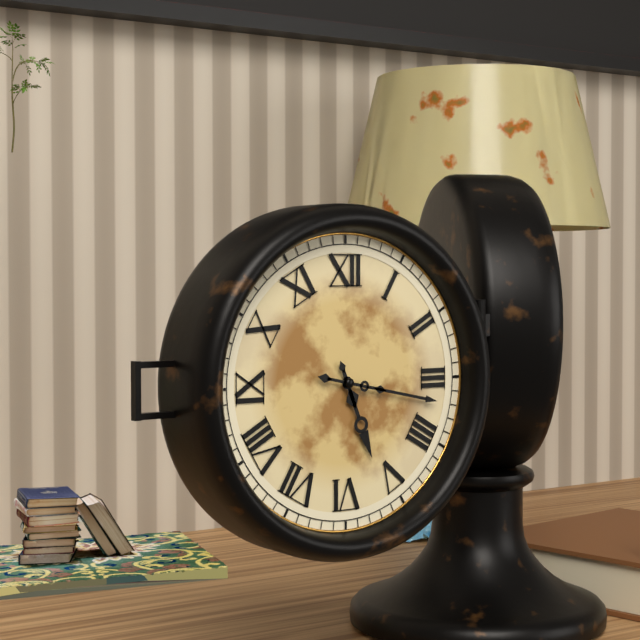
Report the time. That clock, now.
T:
5:17
